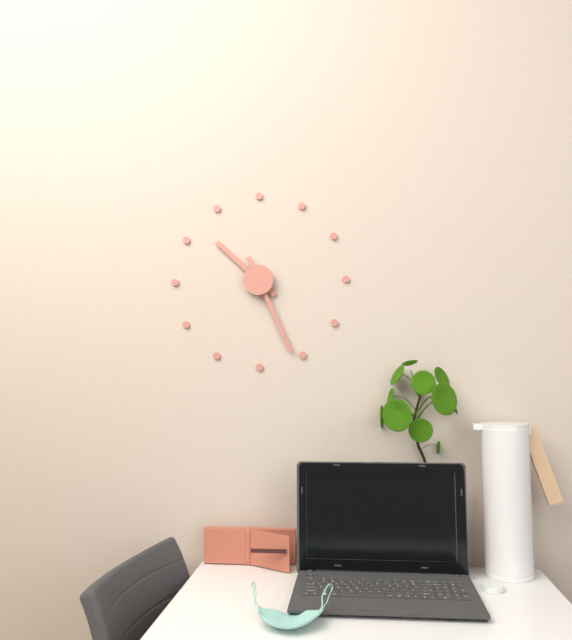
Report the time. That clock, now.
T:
10:26
